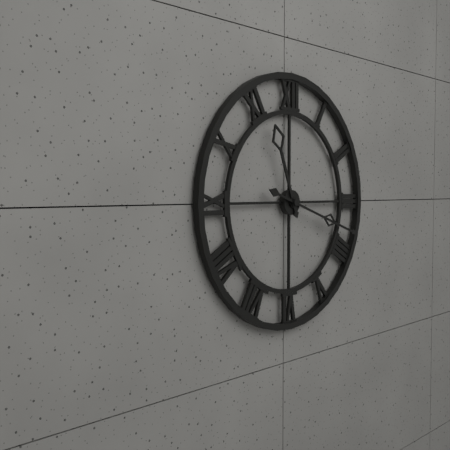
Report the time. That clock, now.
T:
11:18
